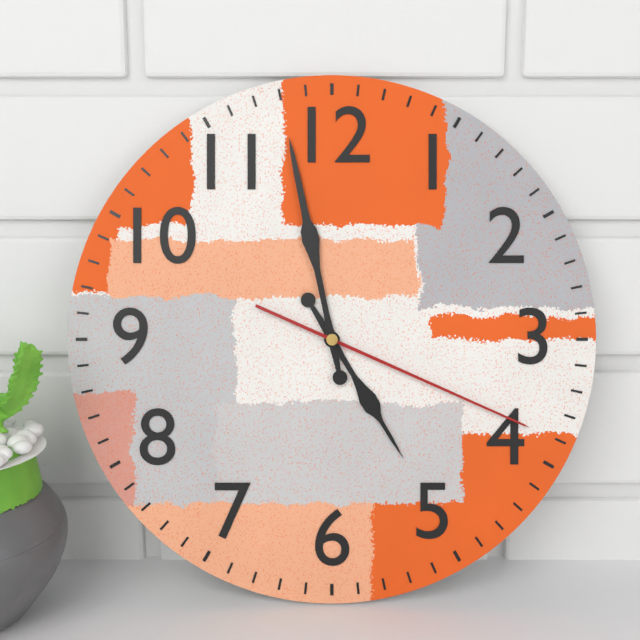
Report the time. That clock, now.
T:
4:58:19
